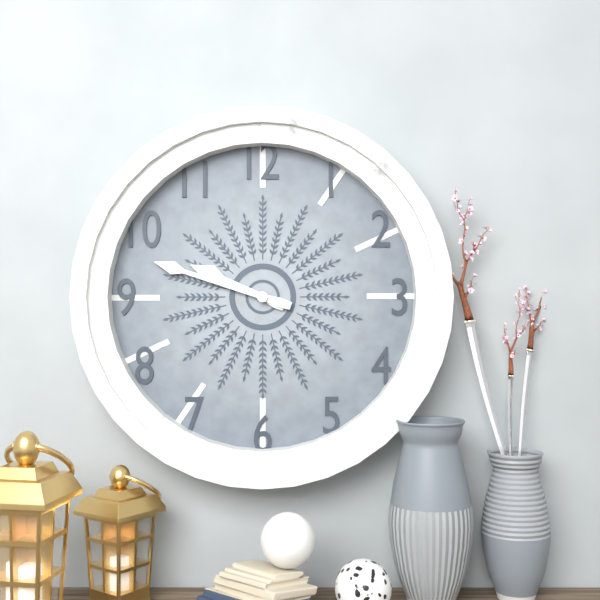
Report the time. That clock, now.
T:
9:48
